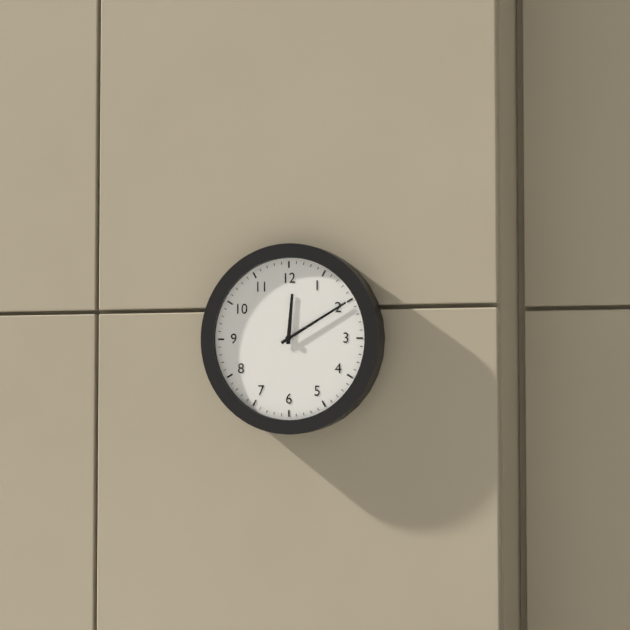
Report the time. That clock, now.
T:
12:10
